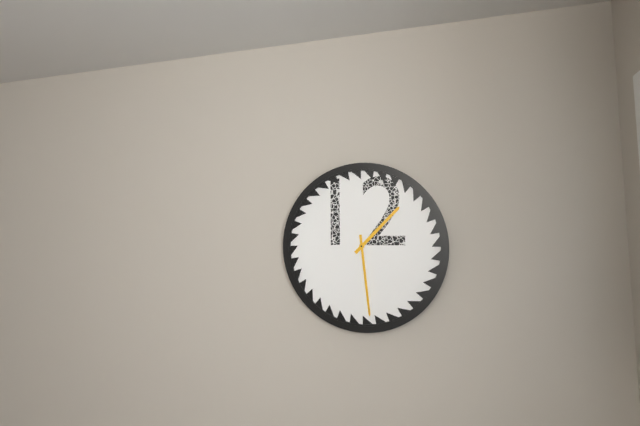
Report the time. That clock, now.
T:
1:29
